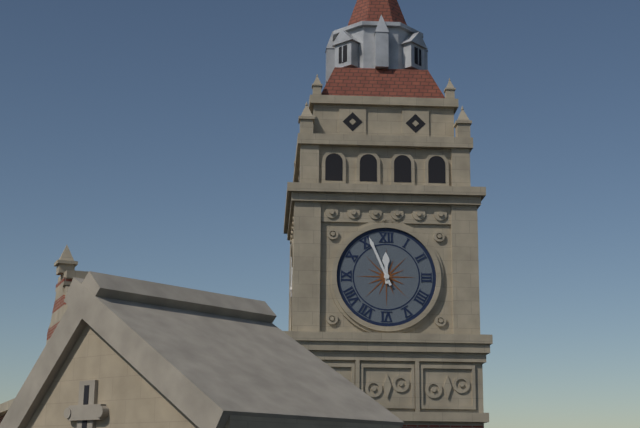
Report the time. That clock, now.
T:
11:56
